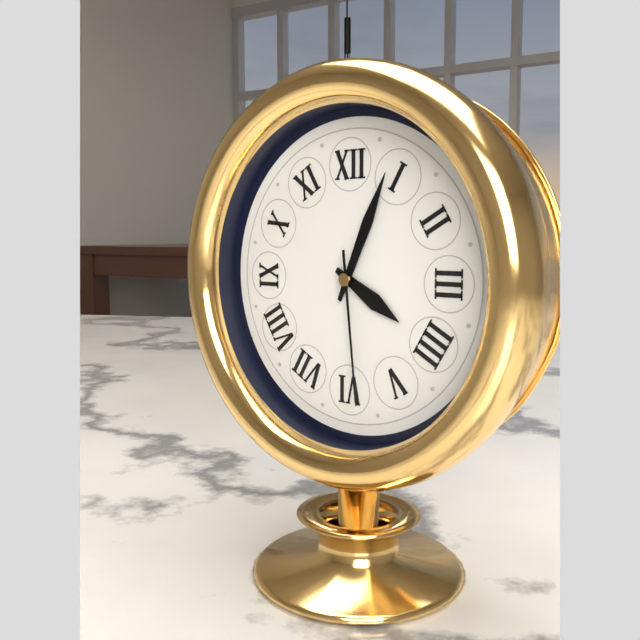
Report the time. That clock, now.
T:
4:04:29
